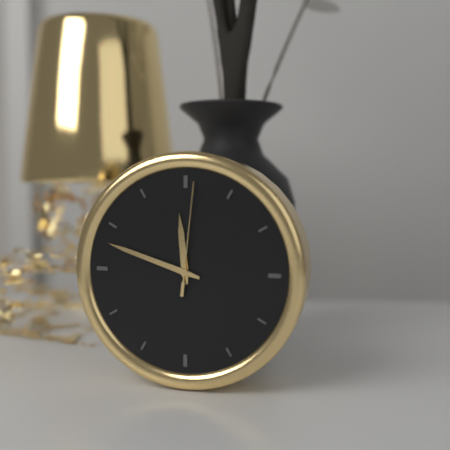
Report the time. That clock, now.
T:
11:48:01
